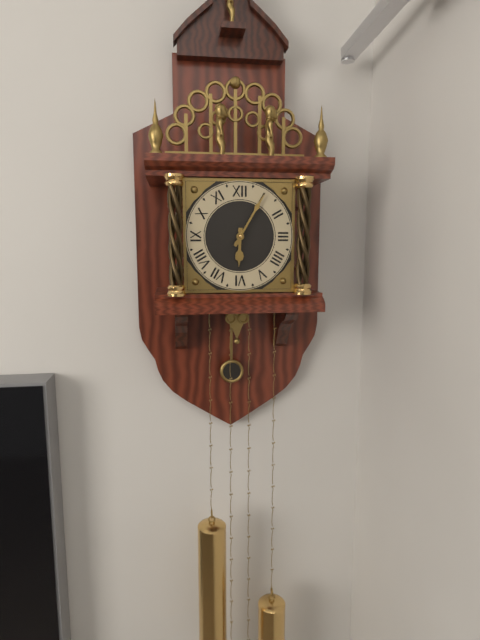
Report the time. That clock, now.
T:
6:05
